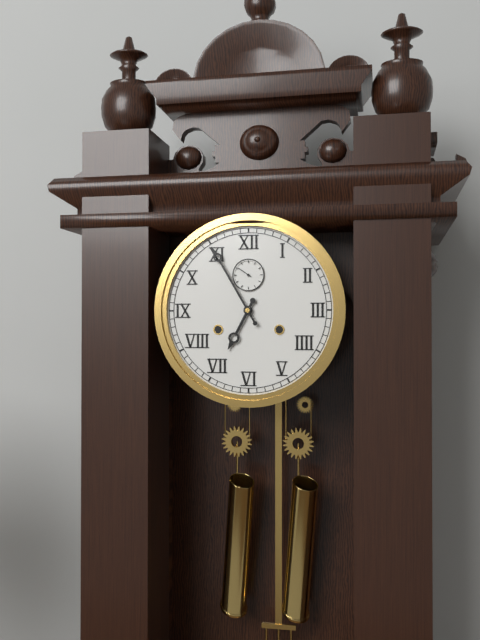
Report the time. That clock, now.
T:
6:55
